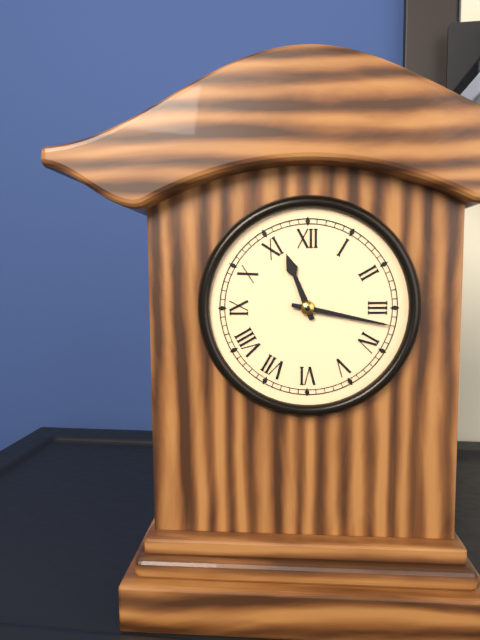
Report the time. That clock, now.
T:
11:17
